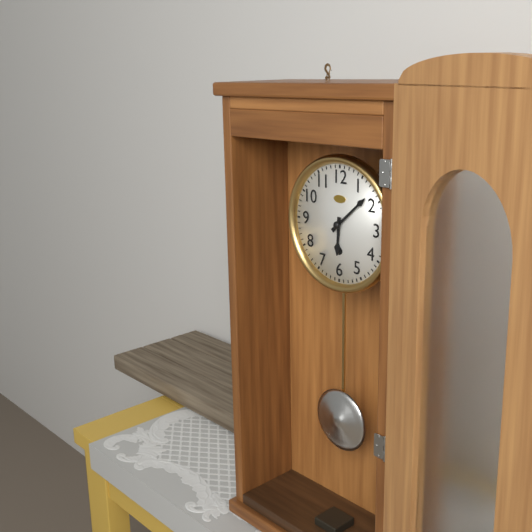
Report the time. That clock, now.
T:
6:08
